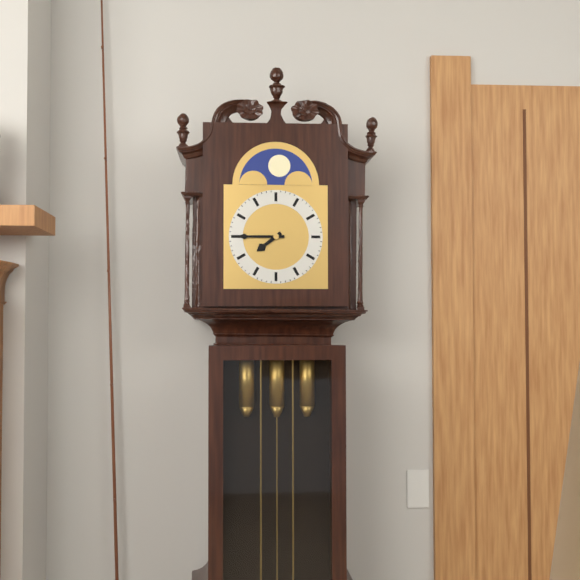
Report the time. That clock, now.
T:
7:45
